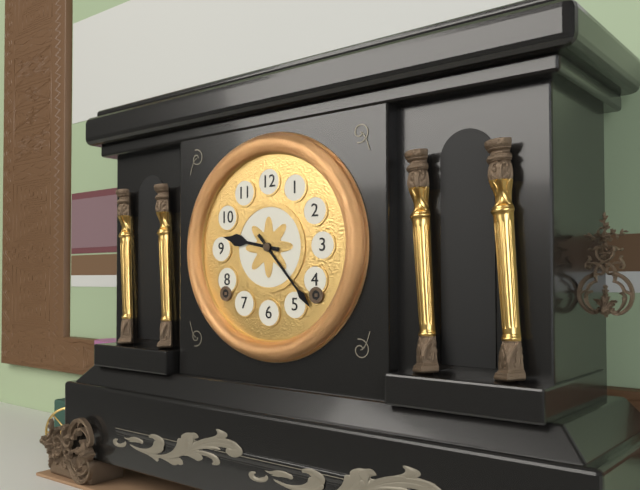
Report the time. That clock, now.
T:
9:23
